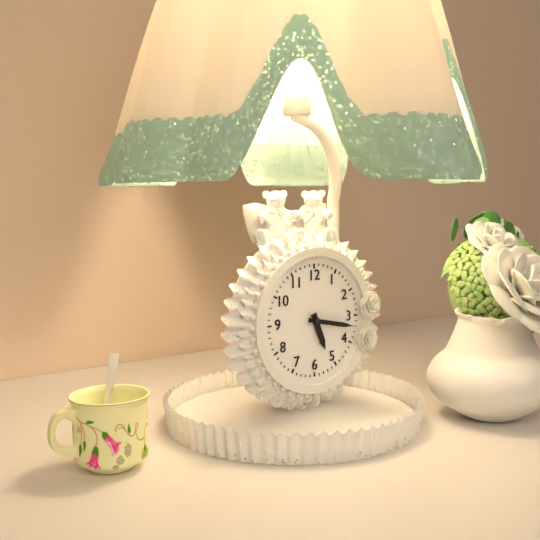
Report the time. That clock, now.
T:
5:17
